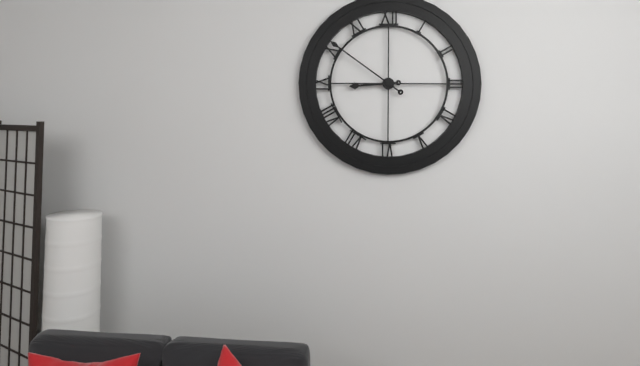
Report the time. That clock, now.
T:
8:51
